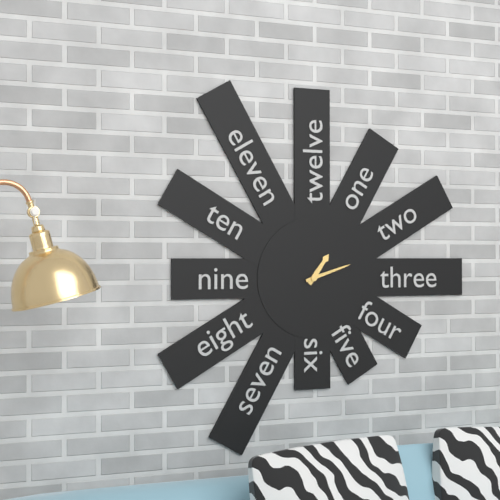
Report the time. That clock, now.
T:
1:12
